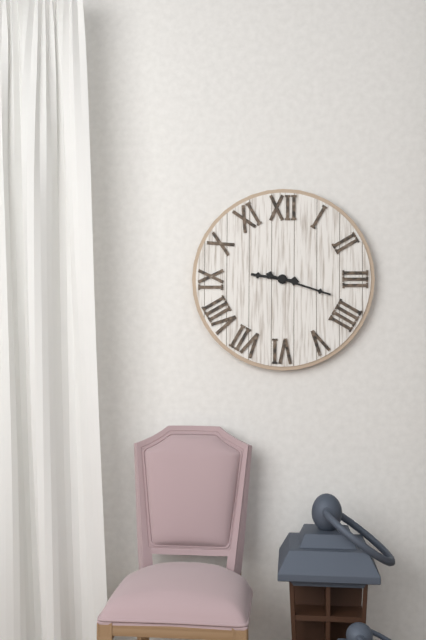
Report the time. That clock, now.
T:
9:18
